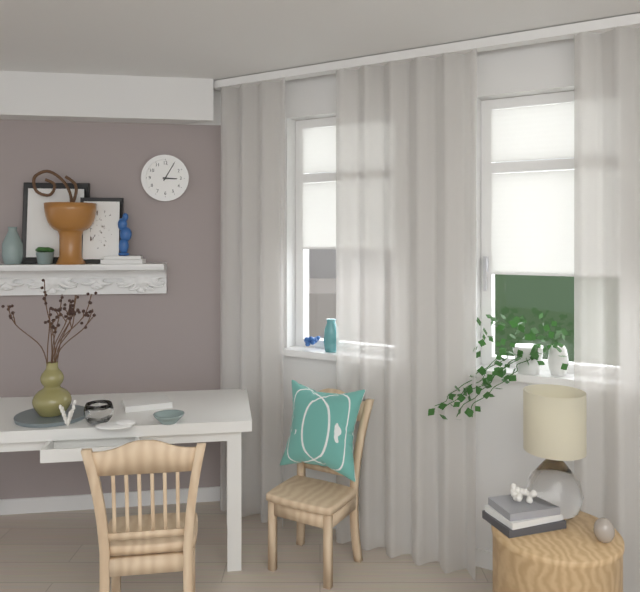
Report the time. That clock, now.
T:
3:05
